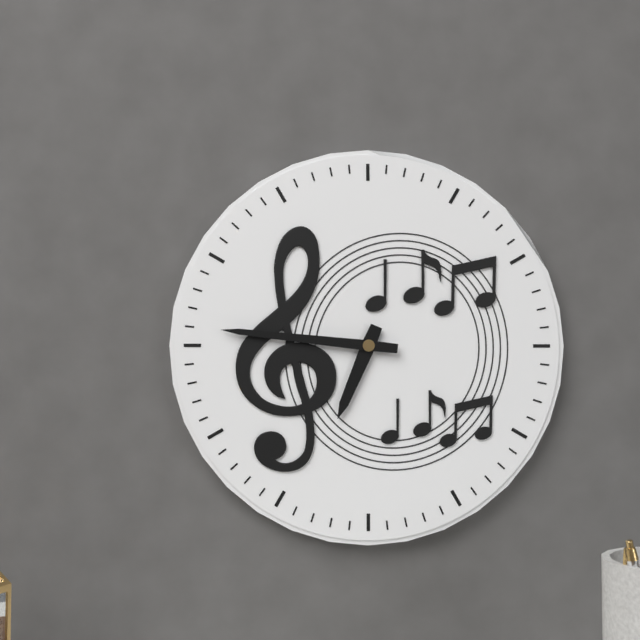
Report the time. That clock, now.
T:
6:46
